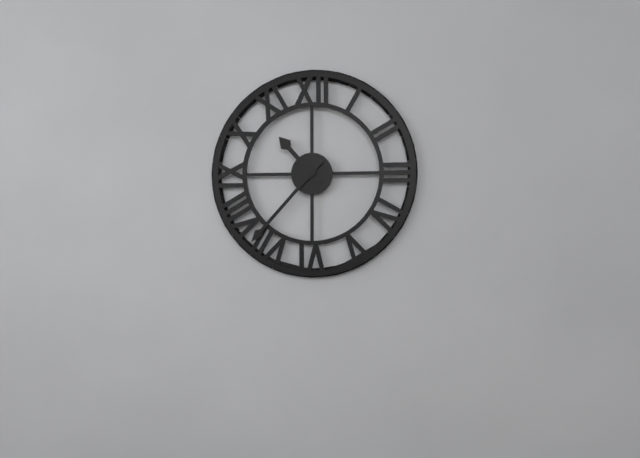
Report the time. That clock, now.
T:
10:37
